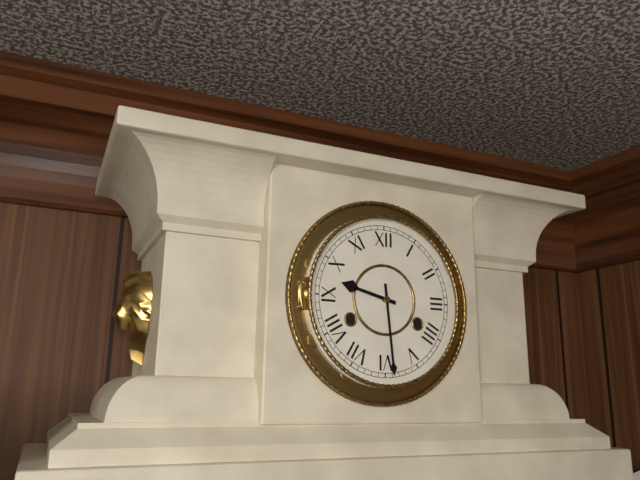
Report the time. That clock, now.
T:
9:29
